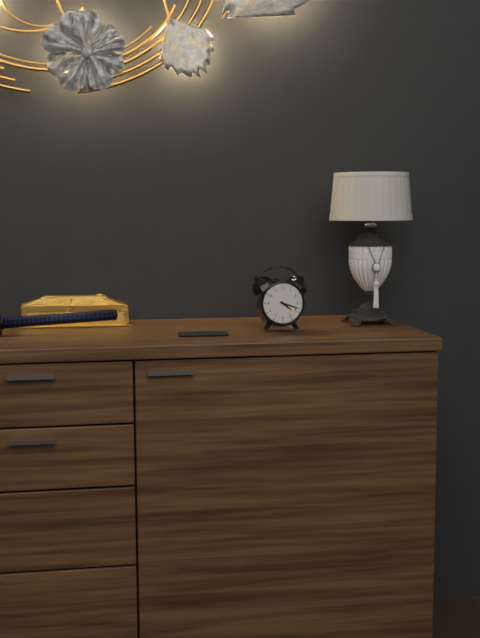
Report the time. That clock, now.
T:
4:18
